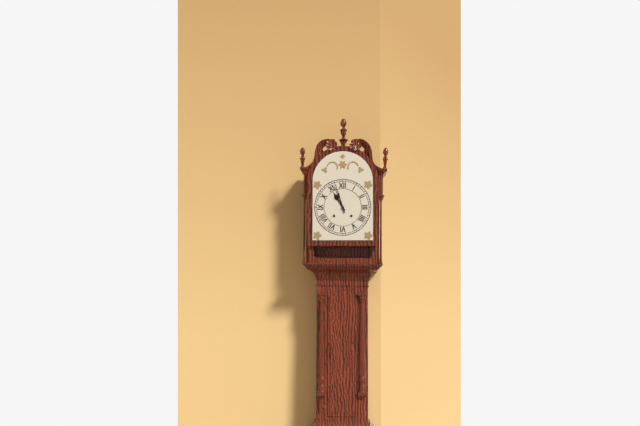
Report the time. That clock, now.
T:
10:57
